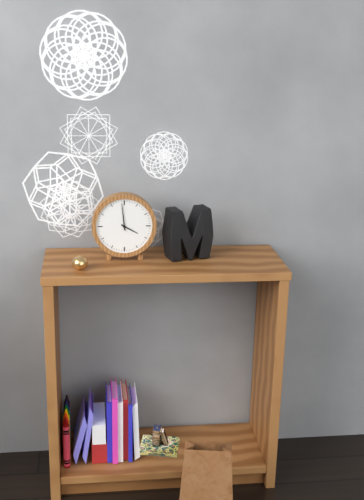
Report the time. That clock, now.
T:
3:59
